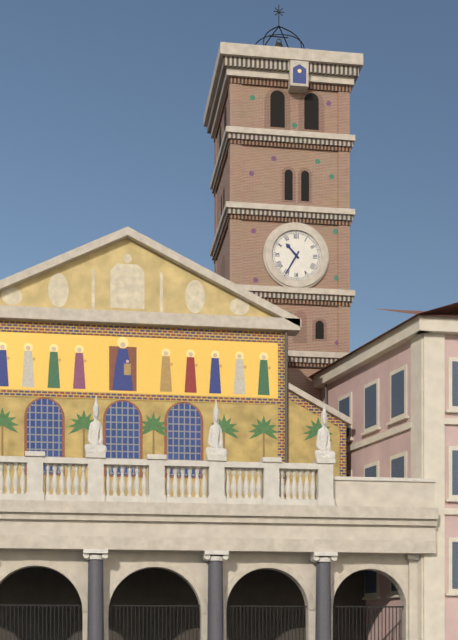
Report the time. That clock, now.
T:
10:35
